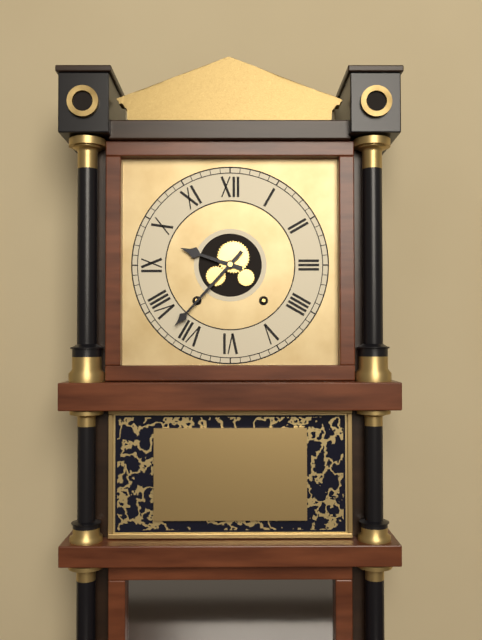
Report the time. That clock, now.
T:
9:37
